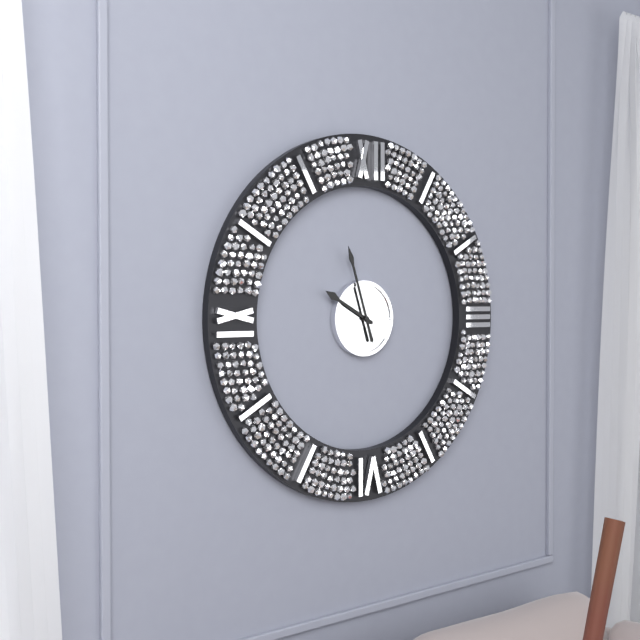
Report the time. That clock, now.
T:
9:57
